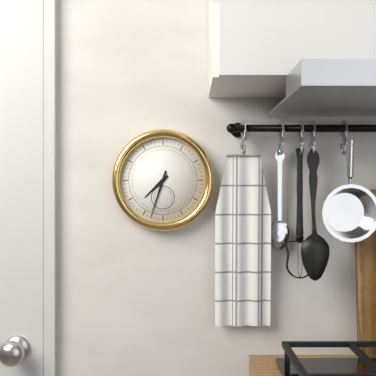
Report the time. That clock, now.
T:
7:33
